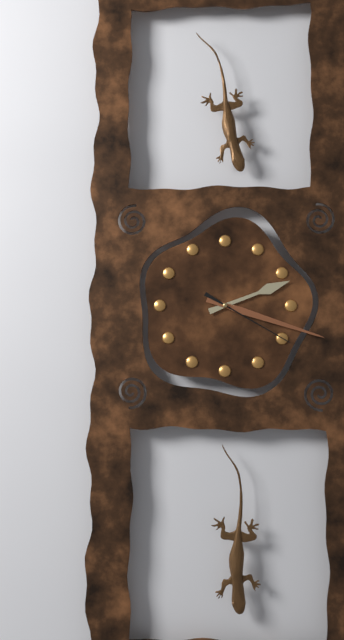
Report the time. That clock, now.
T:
2:18:20
